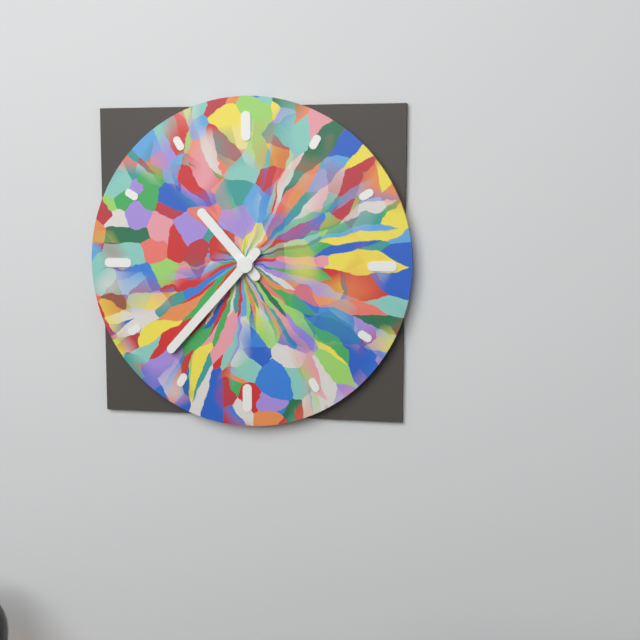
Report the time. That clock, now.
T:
10:37
